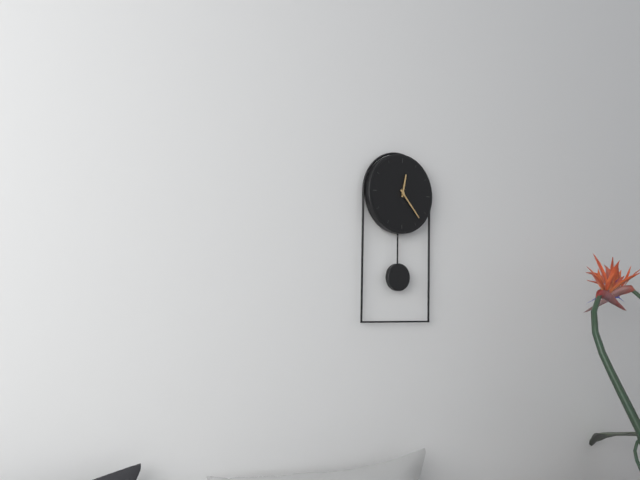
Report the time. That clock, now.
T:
12:23
